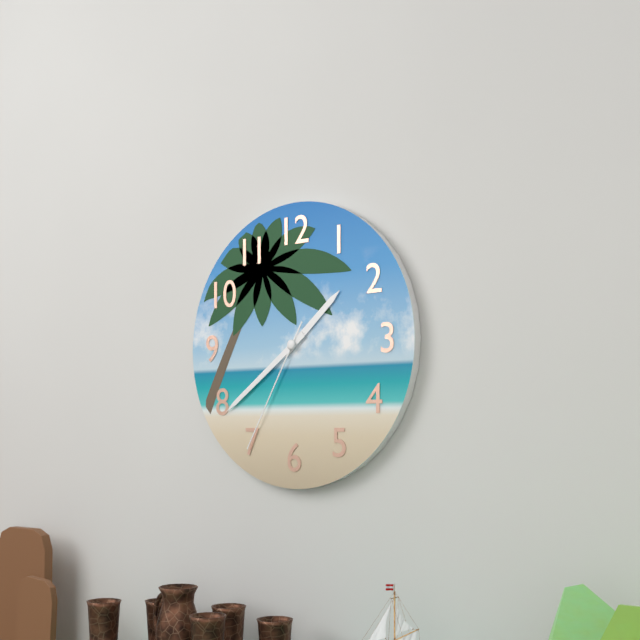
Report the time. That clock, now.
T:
1:39:35
